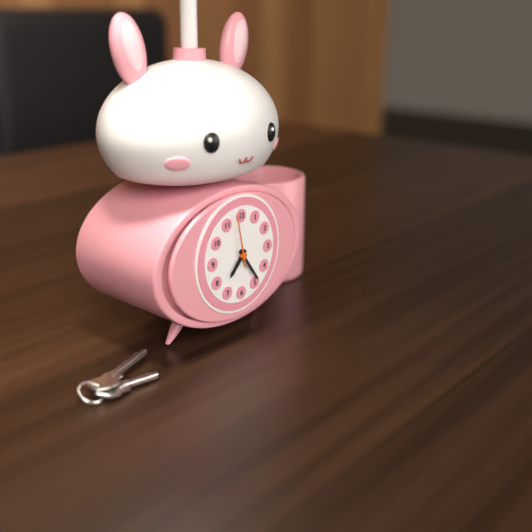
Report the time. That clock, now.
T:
7:24:58
